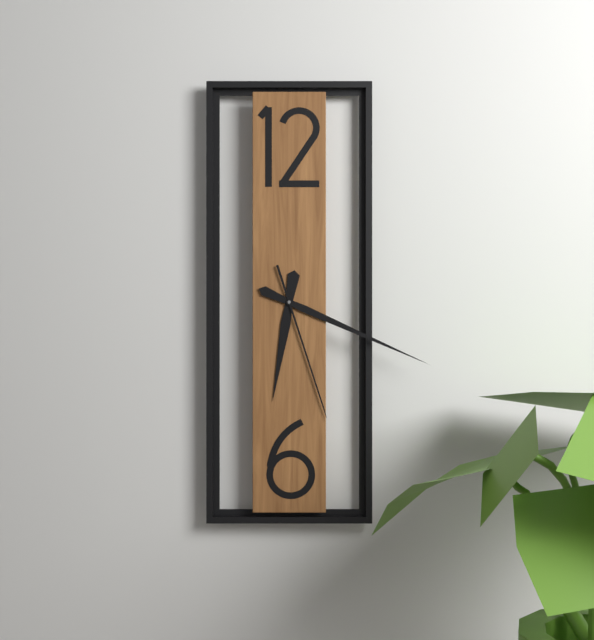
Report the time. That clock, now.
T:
6:19:27
